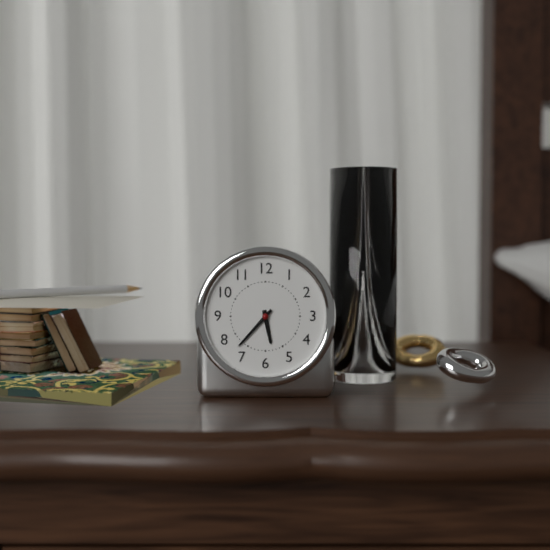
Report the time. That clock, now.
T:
5:37
